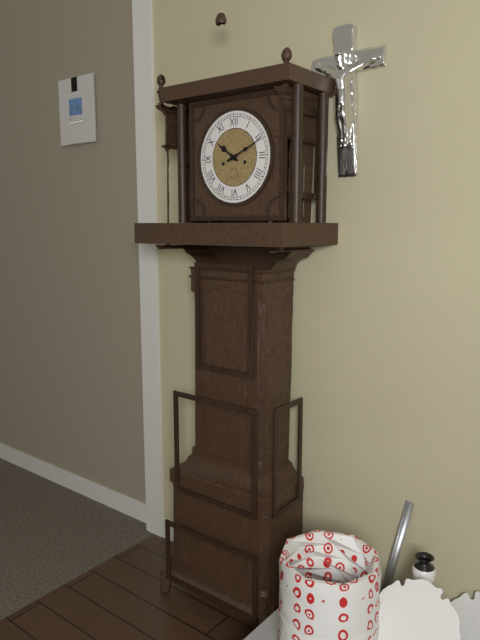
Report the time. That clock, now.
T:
10:11
